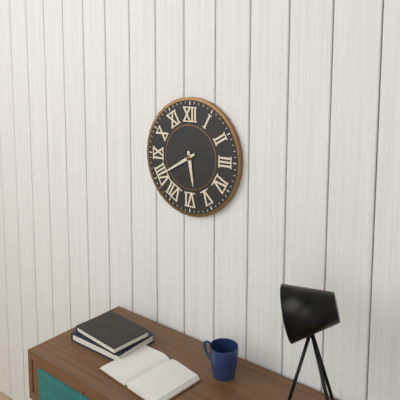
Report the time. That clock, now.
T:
5:40
